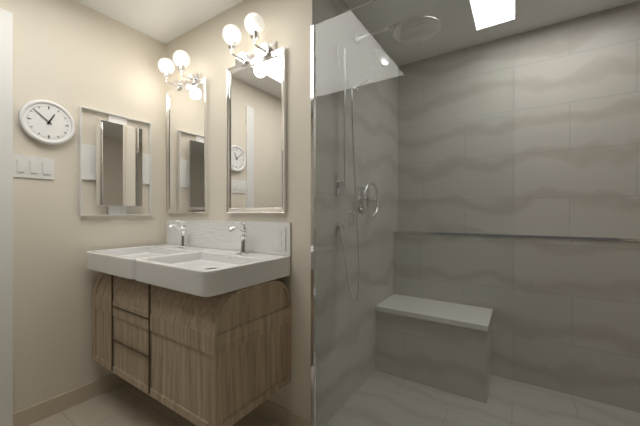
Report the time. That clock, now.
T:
12:52
